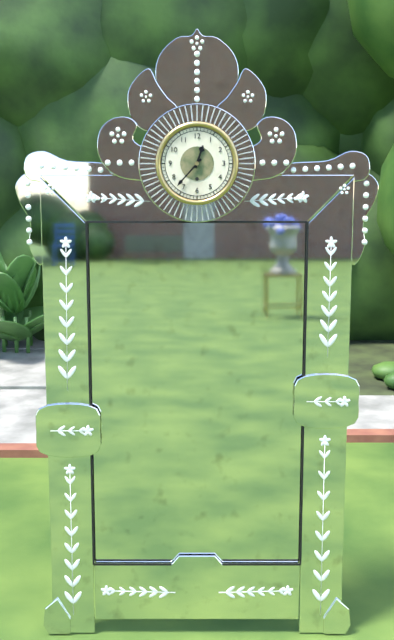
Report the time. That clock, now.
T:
12:37
